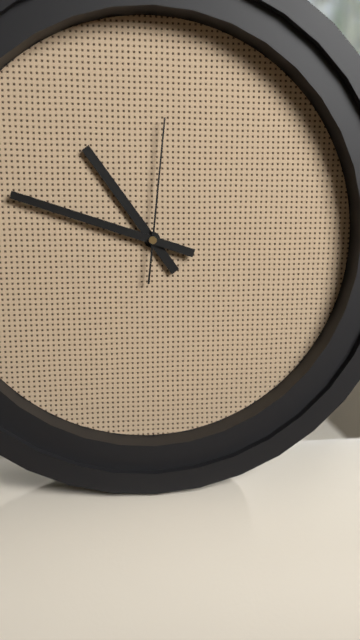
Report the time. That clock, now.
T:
10:48:01
